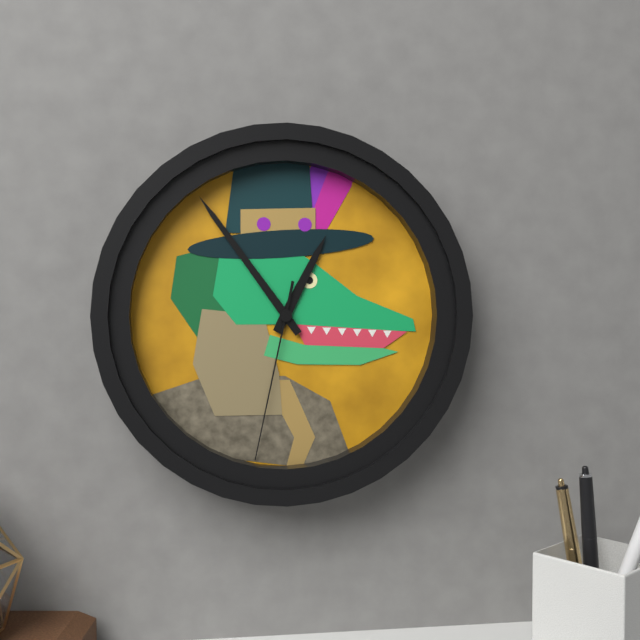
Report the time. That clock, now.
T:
12:54:32
